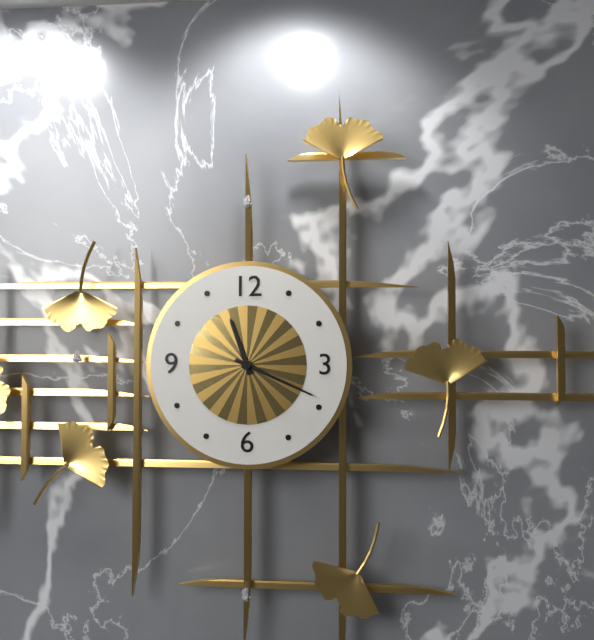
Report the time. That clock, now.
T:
11:19
